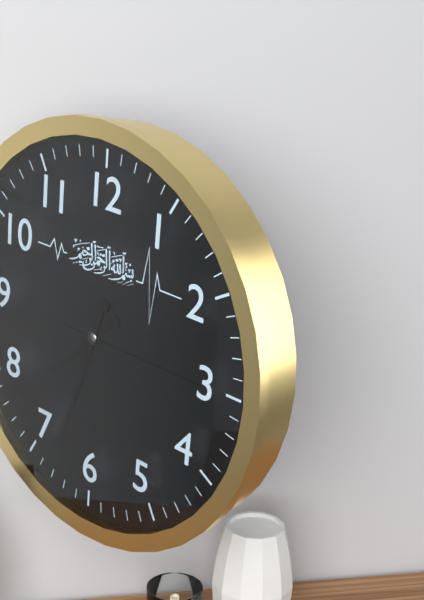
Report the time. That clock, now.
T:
7:33:15
